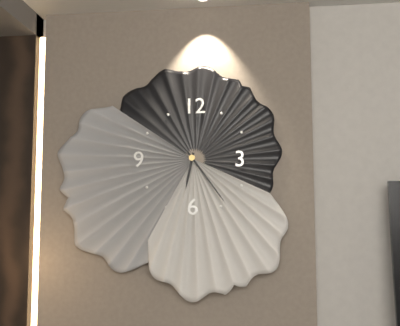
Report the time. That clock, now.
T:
6:24
